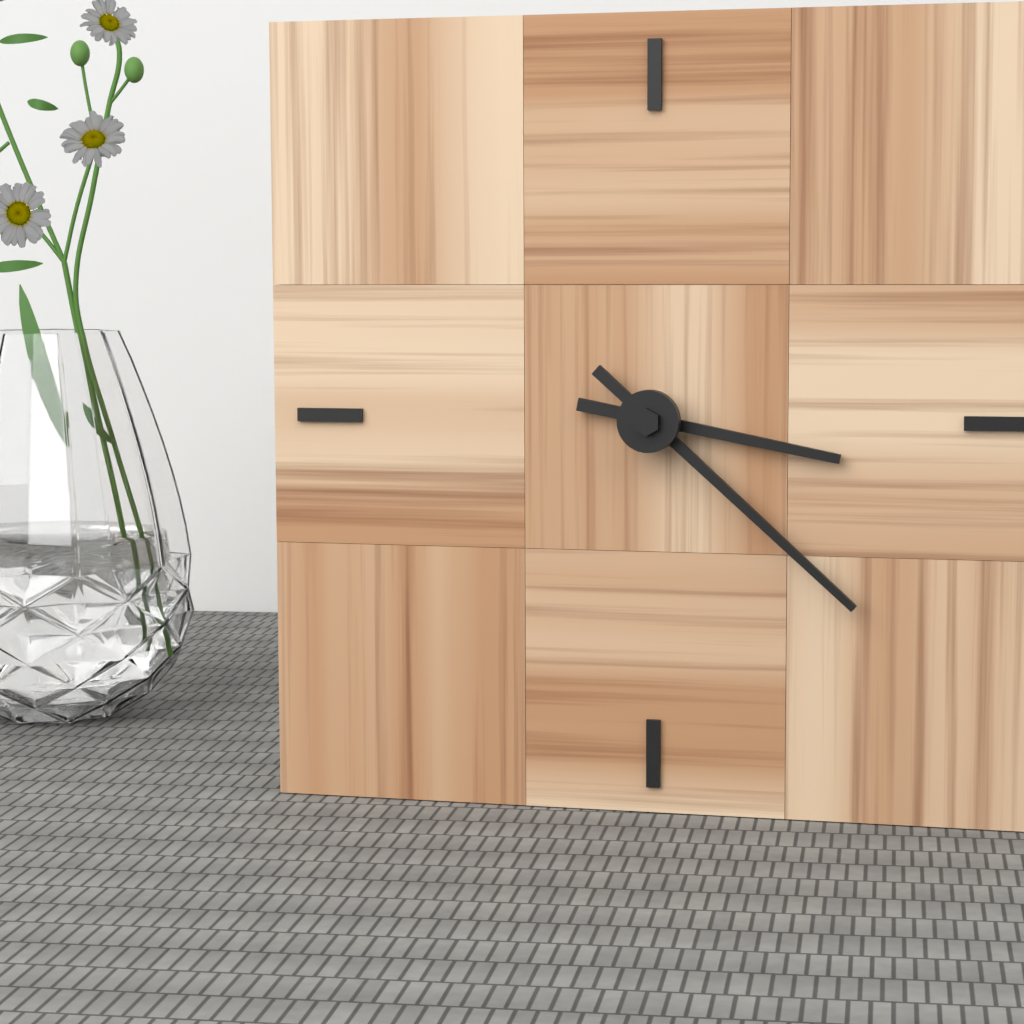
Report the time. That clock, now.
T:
3:22
